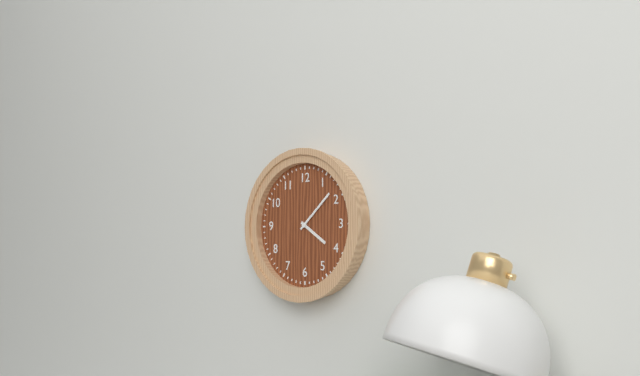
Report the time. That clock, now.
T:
4:08
